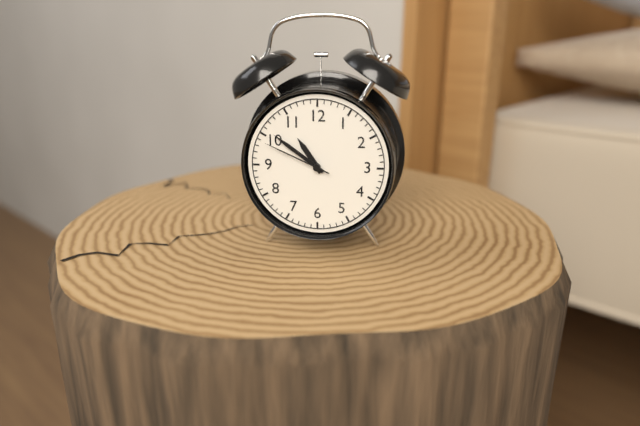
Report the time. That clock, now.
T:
10:51:49
